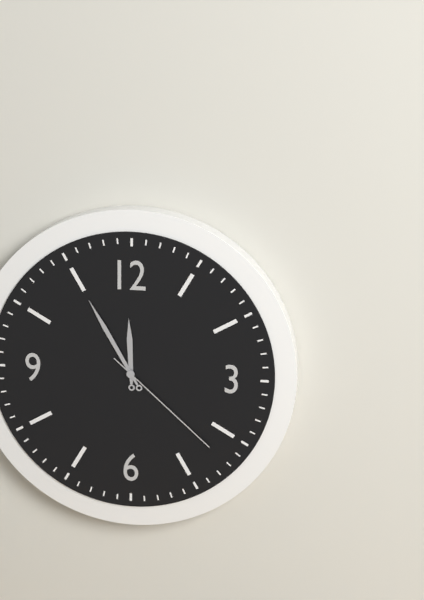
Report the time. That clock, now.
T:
11:55:22
